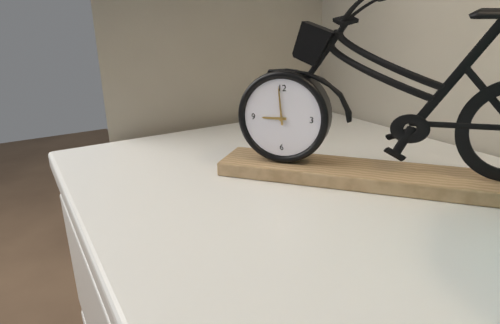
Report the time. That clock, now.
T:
8:59
